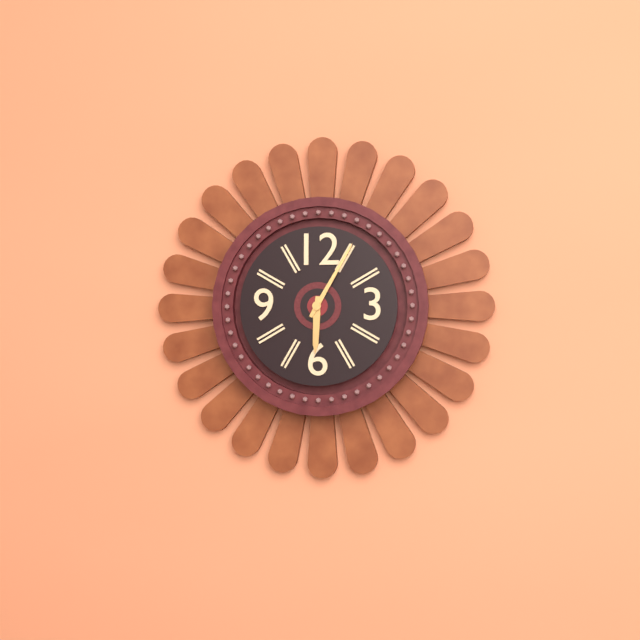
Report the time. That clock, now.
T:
6:05
